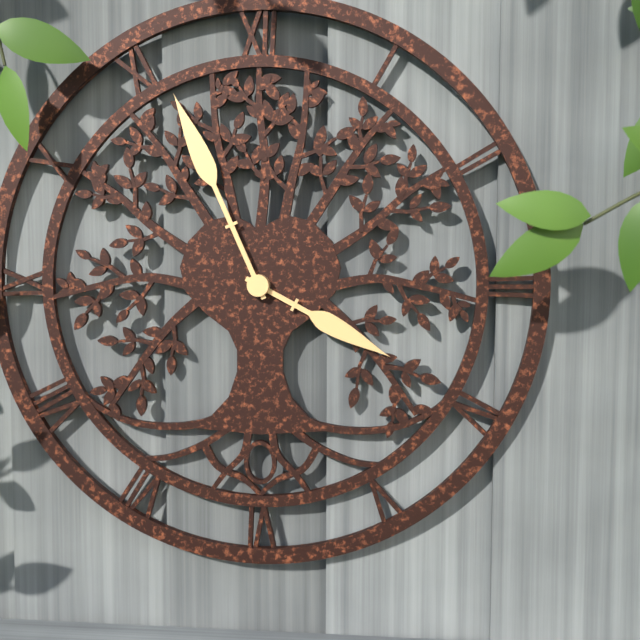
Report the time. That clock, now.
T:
3:56
